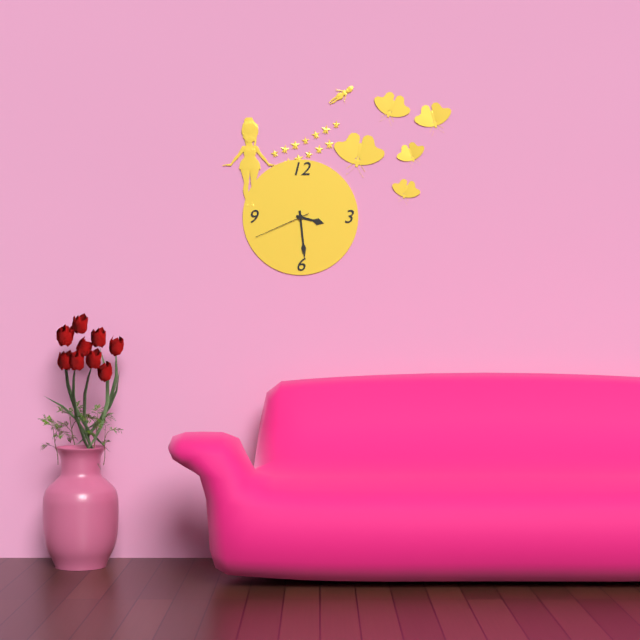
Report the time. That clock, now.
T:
3:29:41
